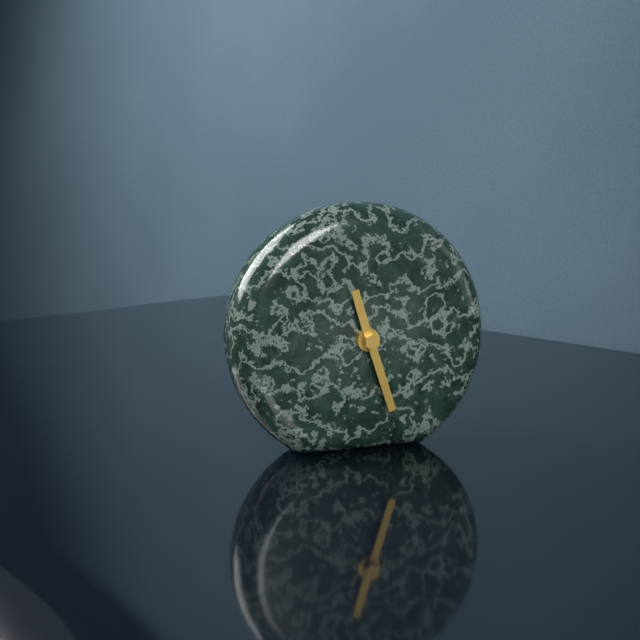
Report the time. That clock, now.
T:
11:27
